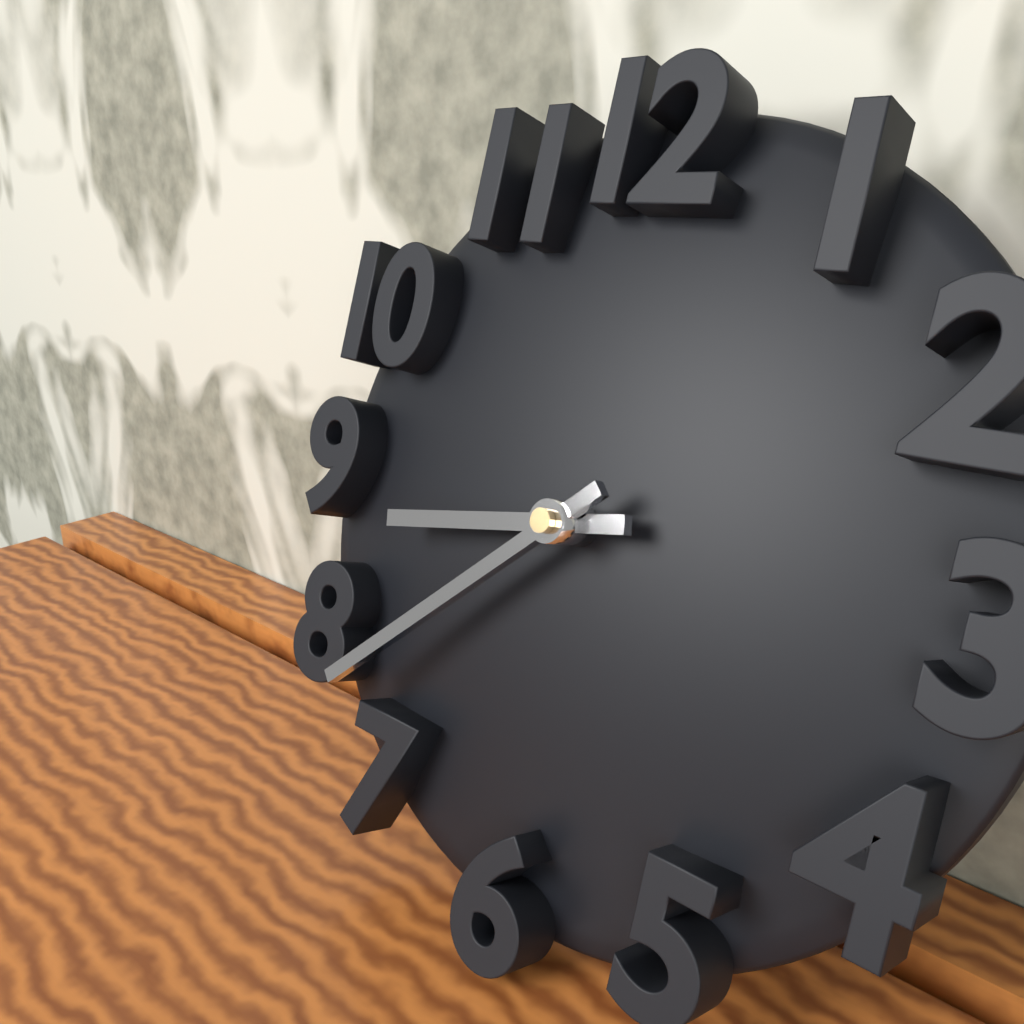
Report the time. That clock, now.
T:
8:38
